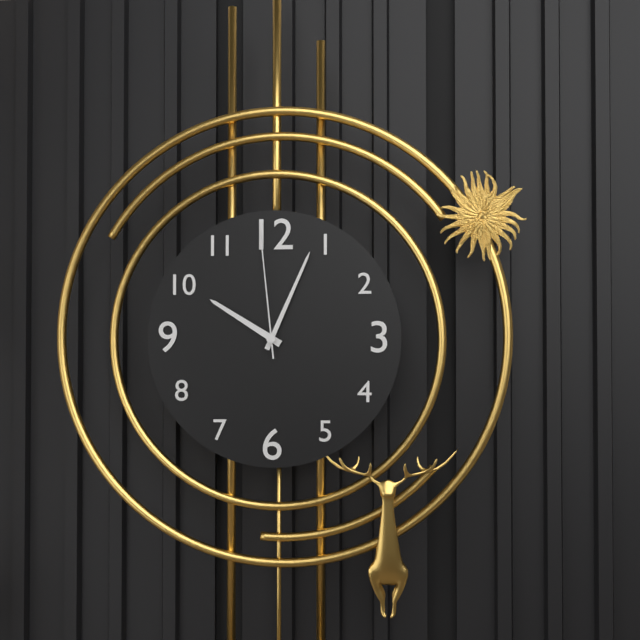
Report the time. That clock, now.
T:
10:04:59
